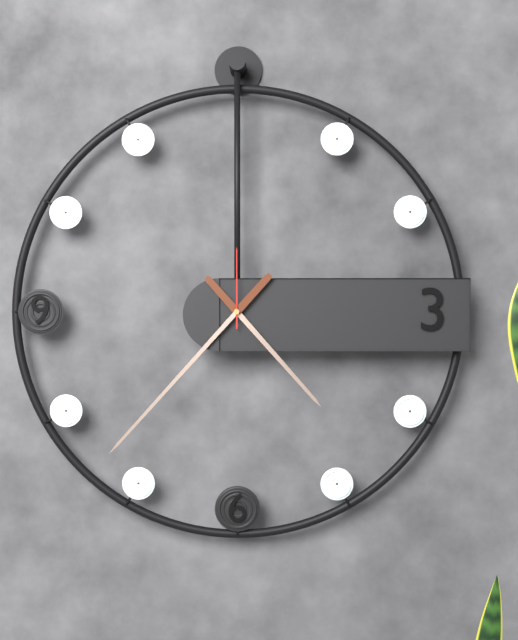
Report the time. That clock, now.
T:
4:37:00
